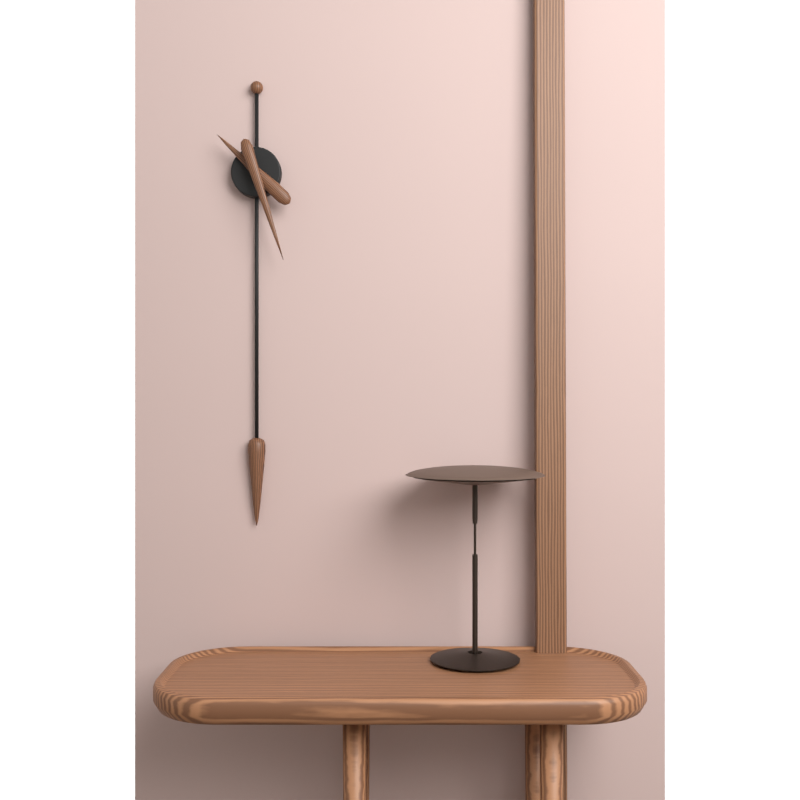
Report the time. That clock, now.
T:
10:27
